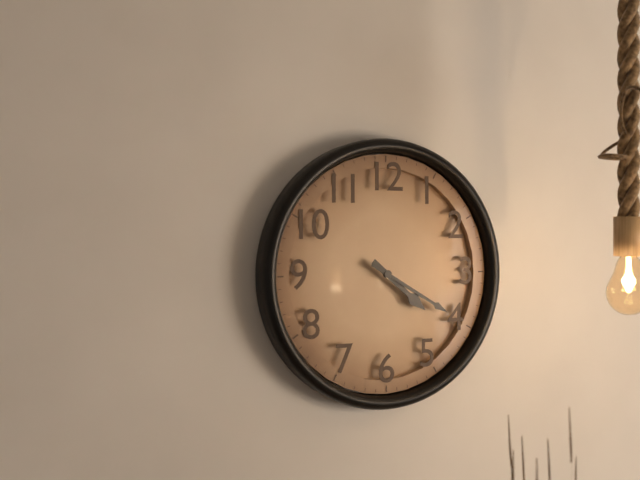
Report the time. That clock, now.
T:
4:20
